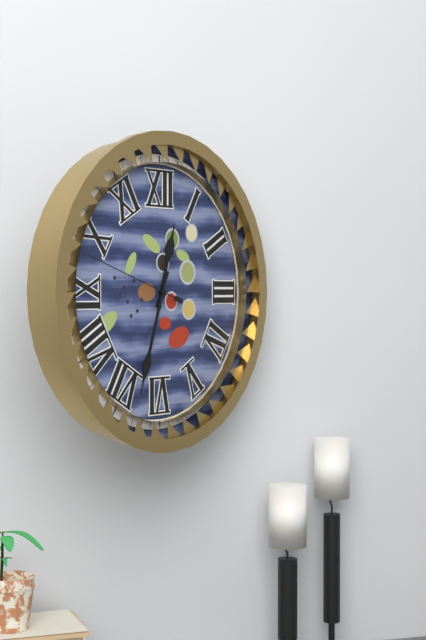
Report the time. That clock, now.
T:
12:33:48
